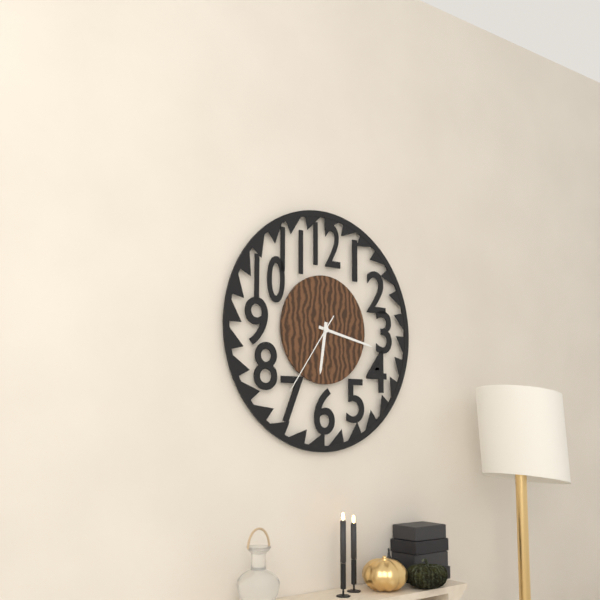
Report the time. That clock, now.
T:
6:17:36
